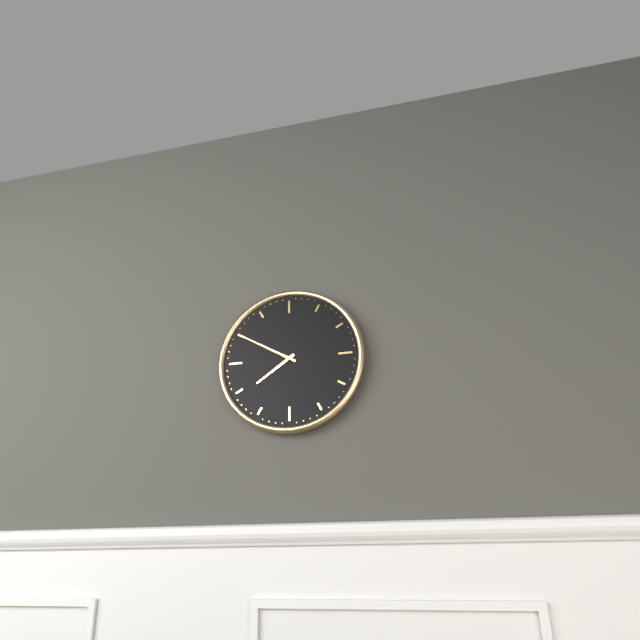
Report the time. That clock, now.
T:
7:50
